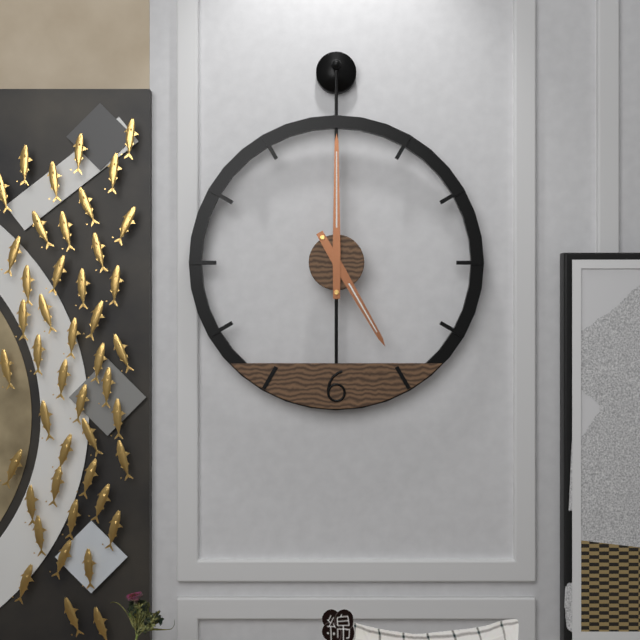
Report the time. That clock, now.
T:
5:00
